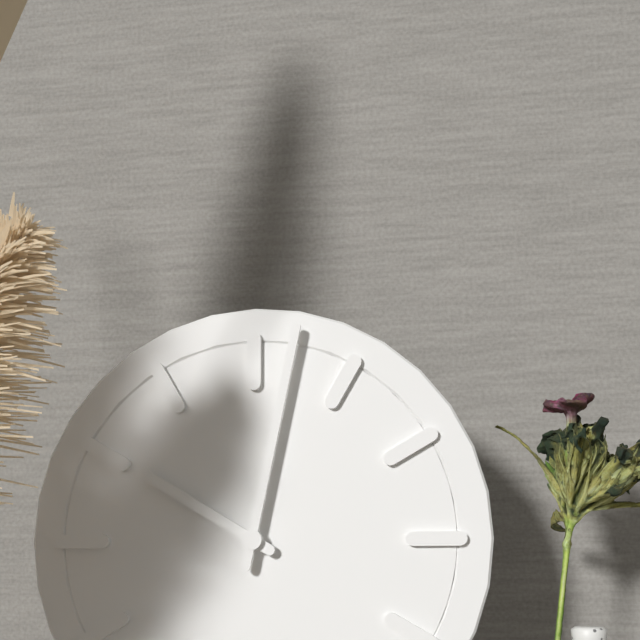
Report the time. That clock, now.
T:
10:02
